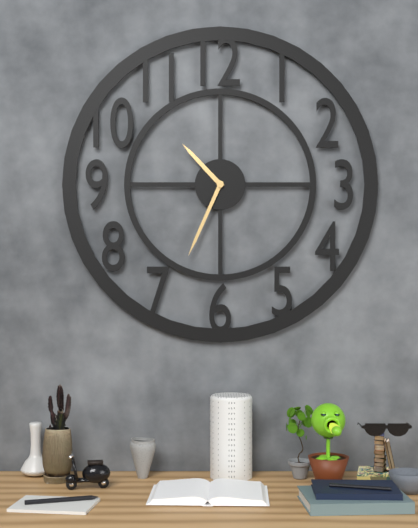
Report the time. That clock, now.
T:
10:34
